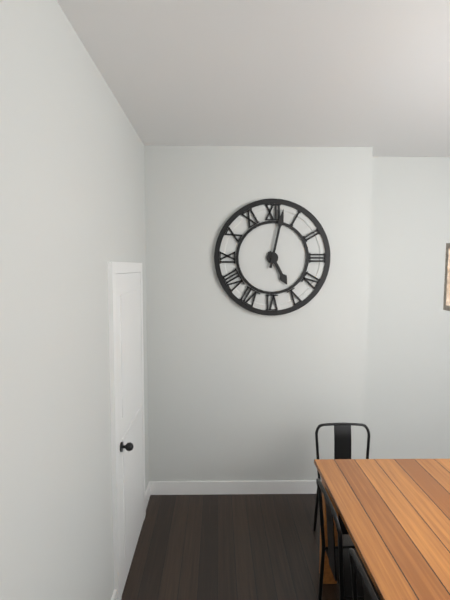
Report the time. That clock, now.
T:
5:02
